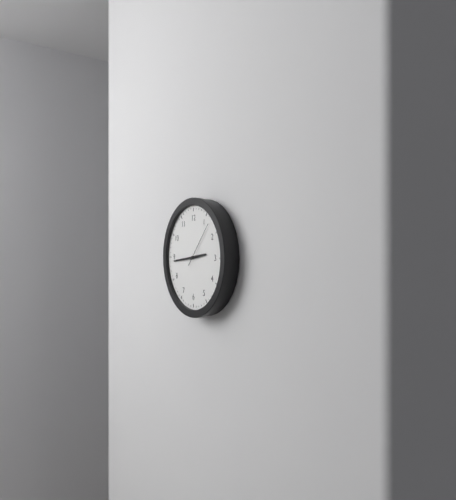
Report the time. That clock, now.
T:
2:44
